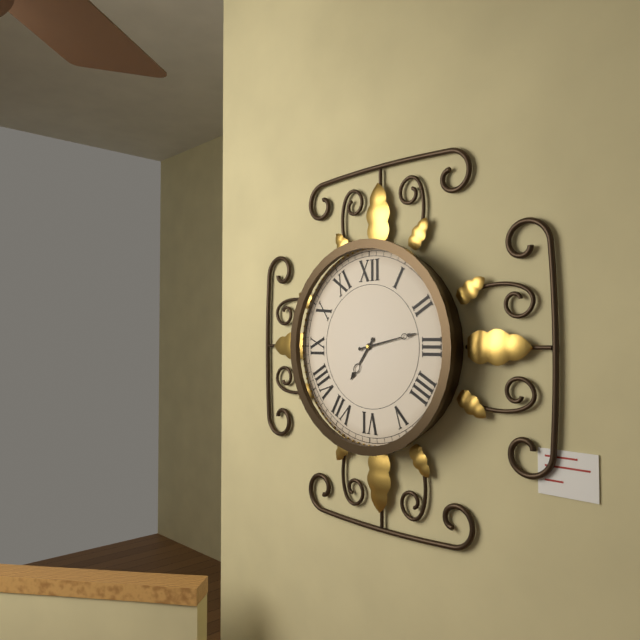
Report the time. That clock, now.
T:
7:13
